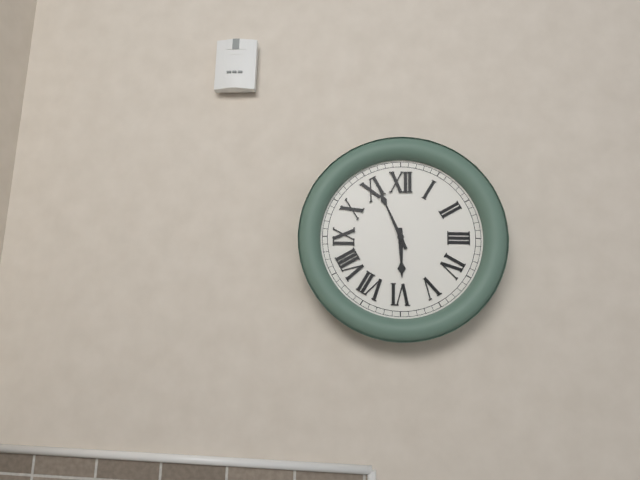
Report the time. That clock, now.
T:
5:56
